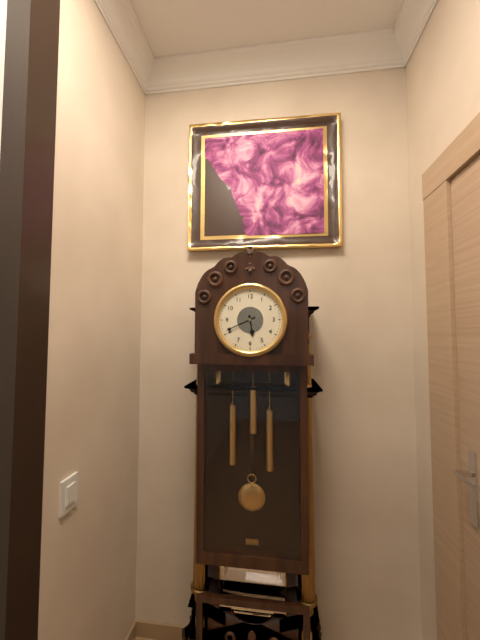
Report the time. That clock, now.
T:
5:41
